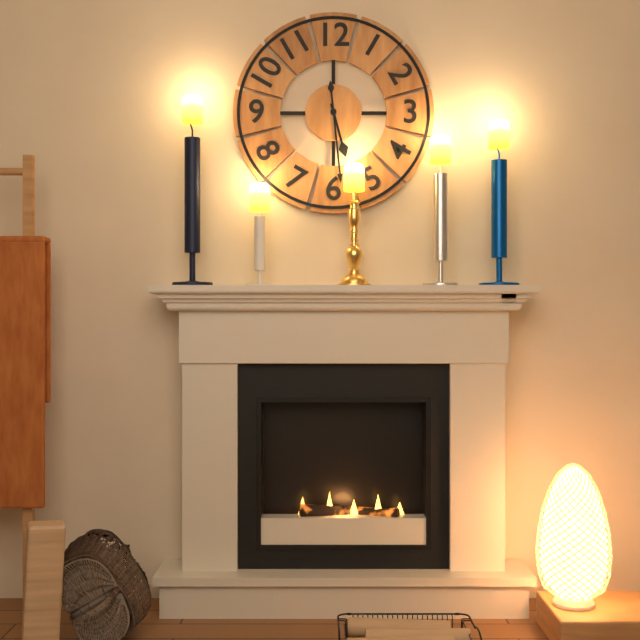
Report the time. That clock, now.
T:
5:29
